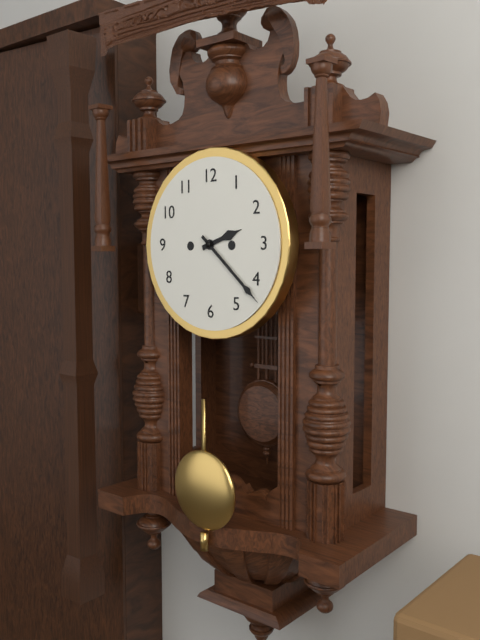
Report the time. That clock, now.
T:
2:22
